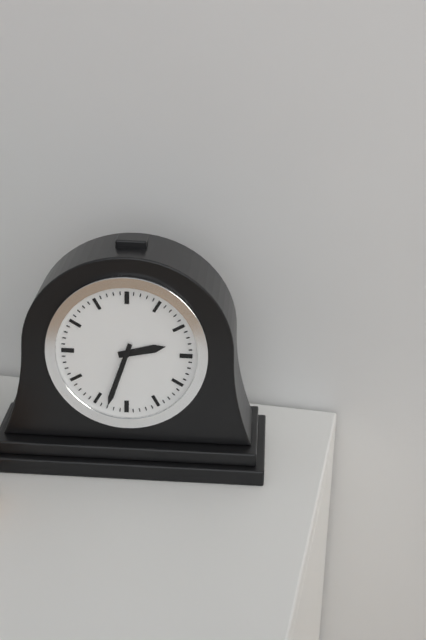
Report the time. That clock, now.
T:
2:33
